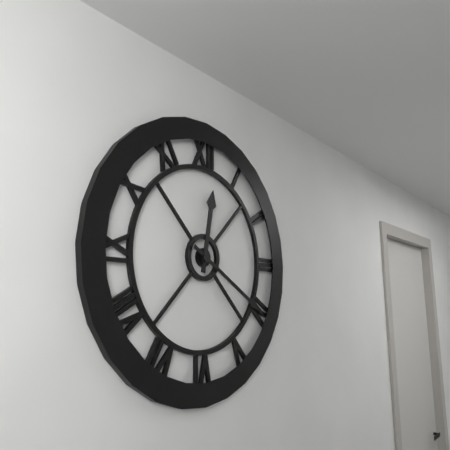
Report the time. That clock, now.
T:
12:20
